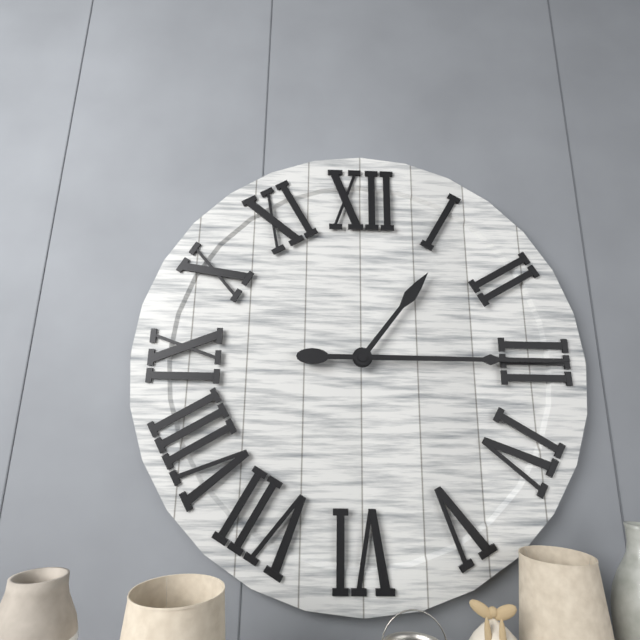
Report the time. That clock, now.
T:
1:15
